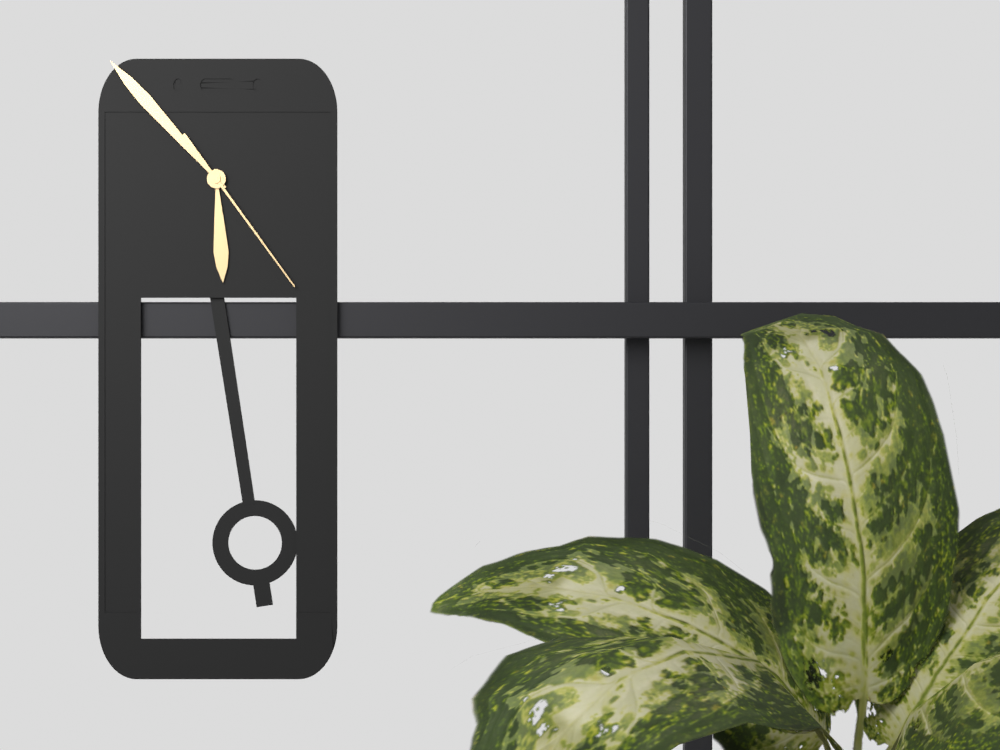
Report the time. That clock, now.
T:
5:53:24
